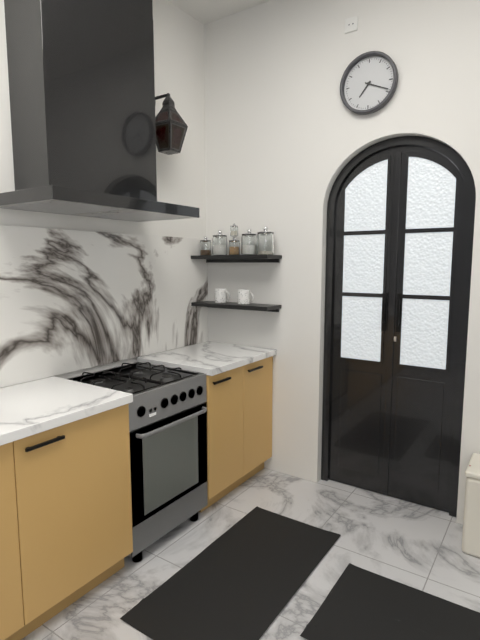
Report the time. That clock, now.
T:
7:19
